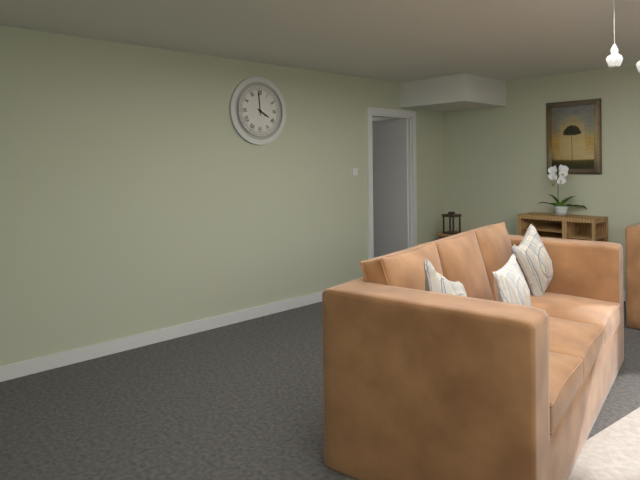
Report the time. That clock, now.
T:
3:59
